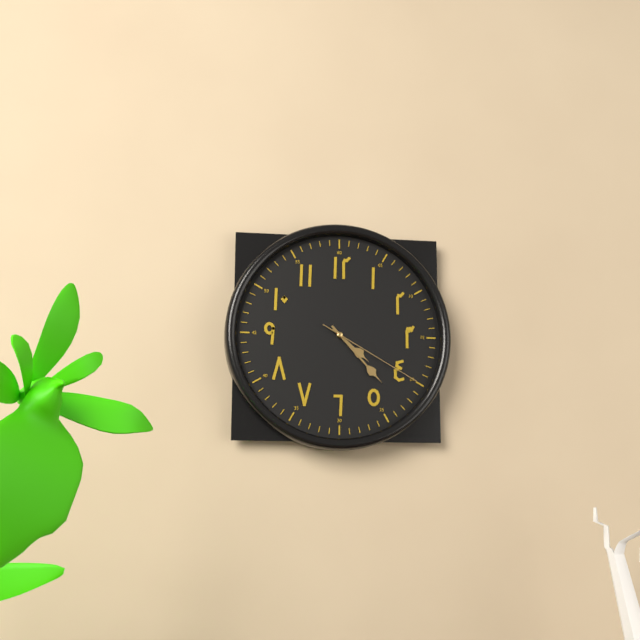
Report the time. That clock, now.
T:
4:23:20
